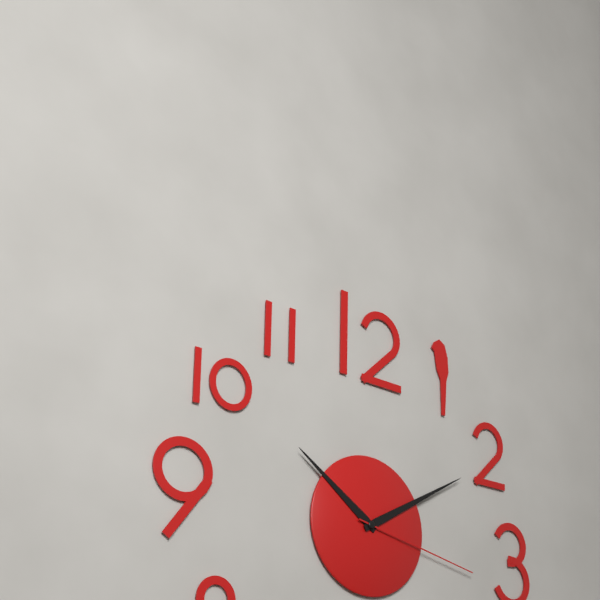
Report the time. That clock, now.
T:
10:10:17
